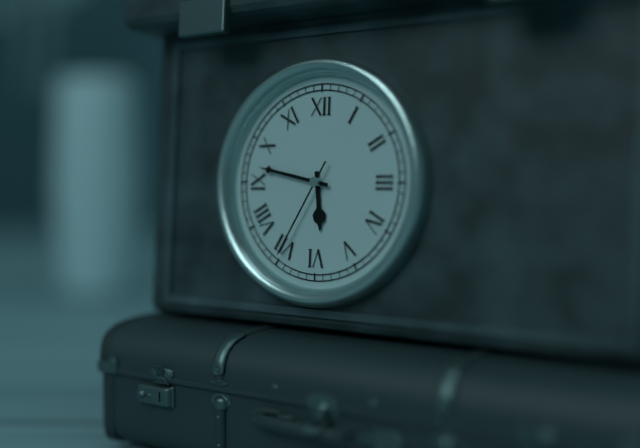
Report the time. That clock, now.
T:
5:47:35
